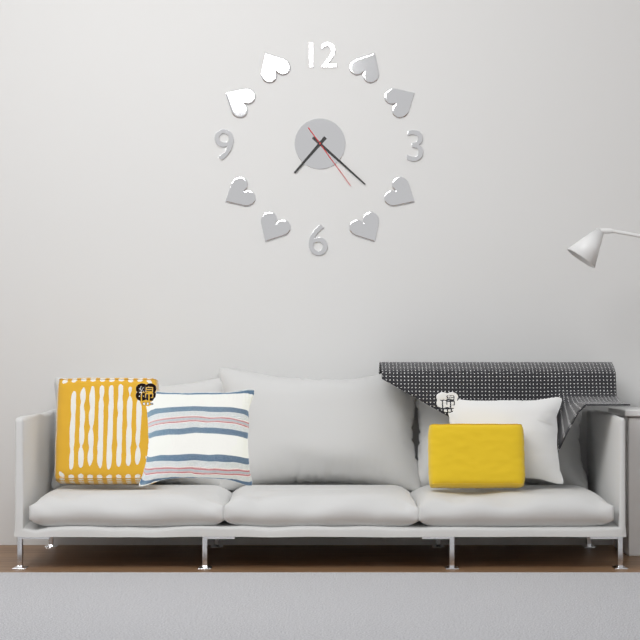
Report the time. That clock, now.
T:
7:22:24
